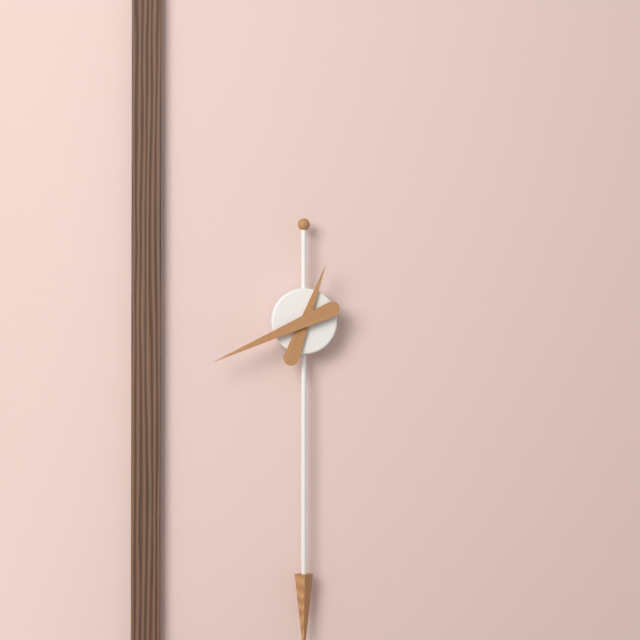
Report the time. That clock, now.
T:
12:41
